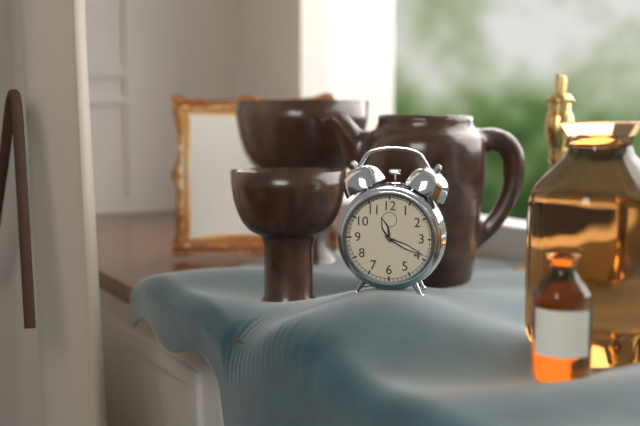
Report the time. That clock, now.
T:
11:19
